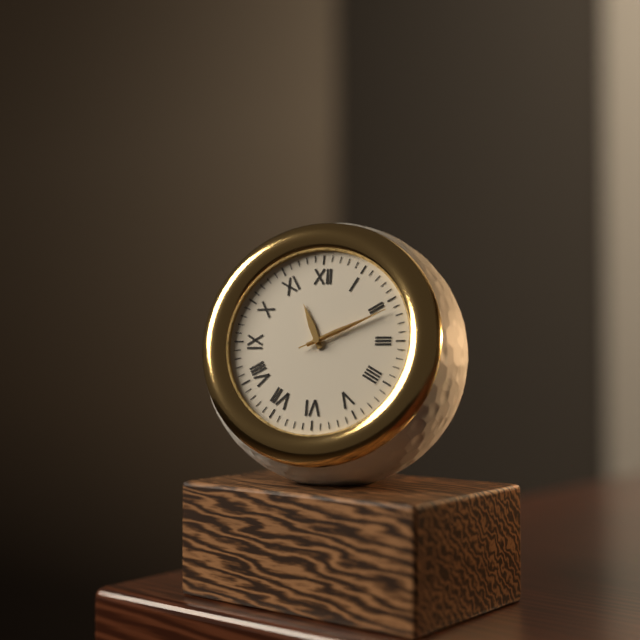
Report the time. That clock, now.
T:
11:11:11
